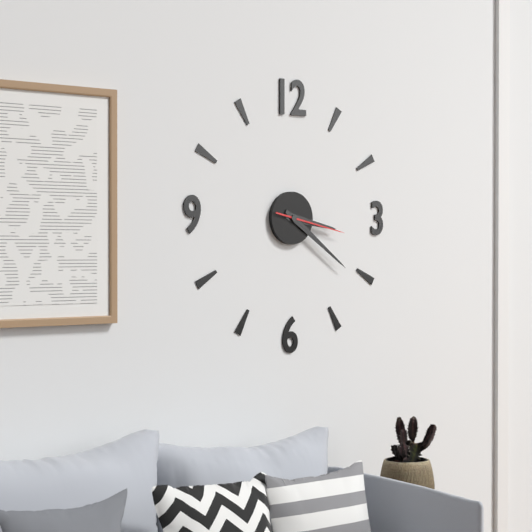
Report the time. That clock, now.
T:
3:21:17
